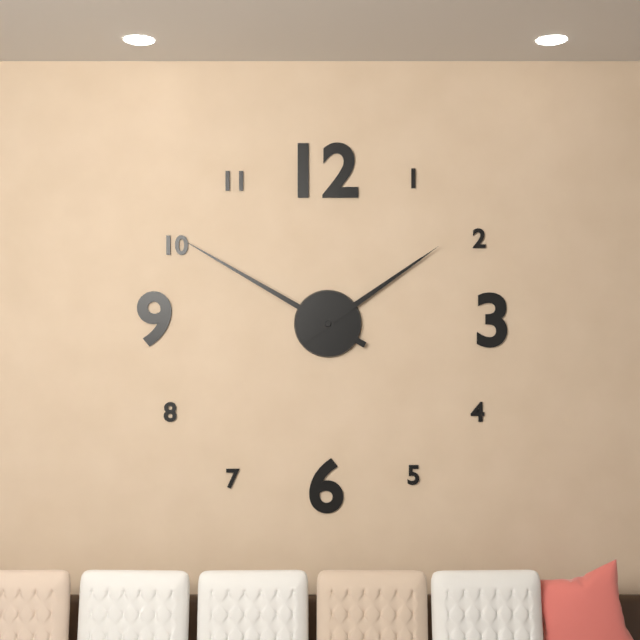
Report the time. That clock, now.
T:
1:50
